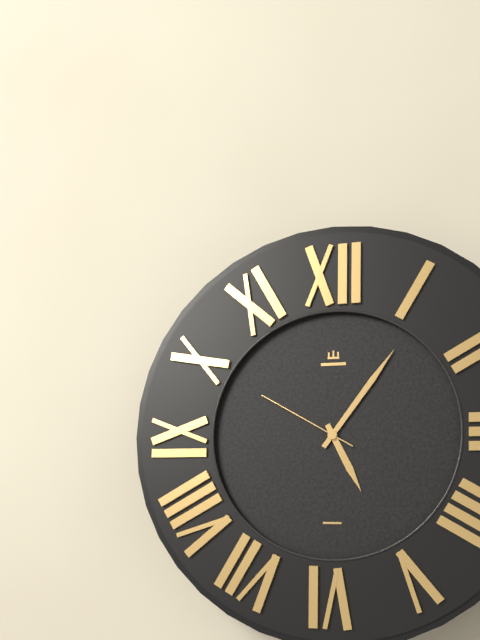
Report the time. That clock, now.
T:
5:06:50
